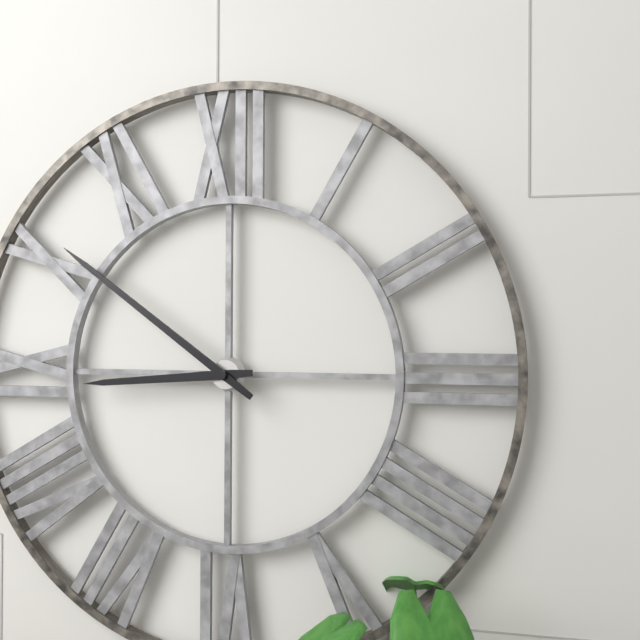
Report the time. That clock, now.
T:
8:51
